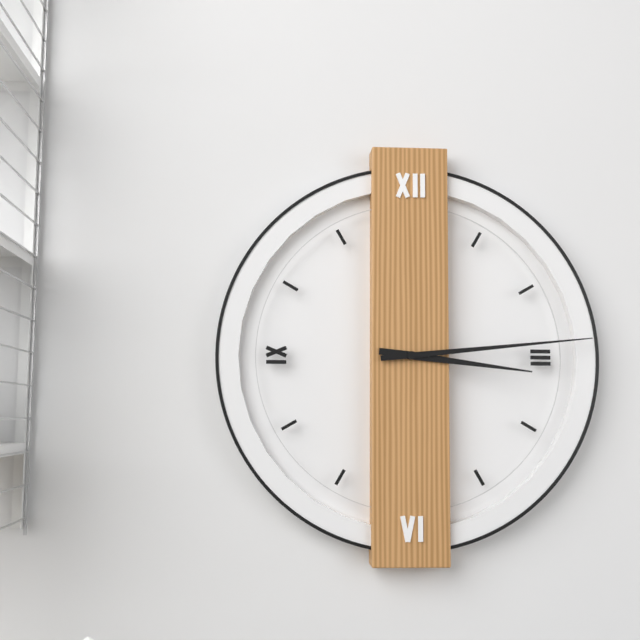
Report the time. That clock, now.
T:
3:14
